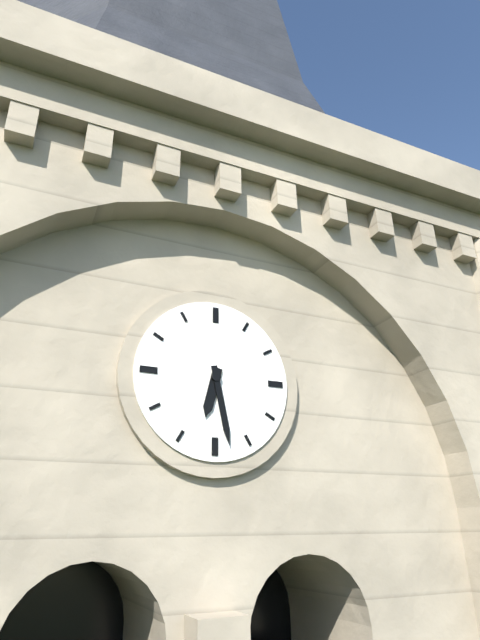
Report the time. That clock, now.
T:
6:28
